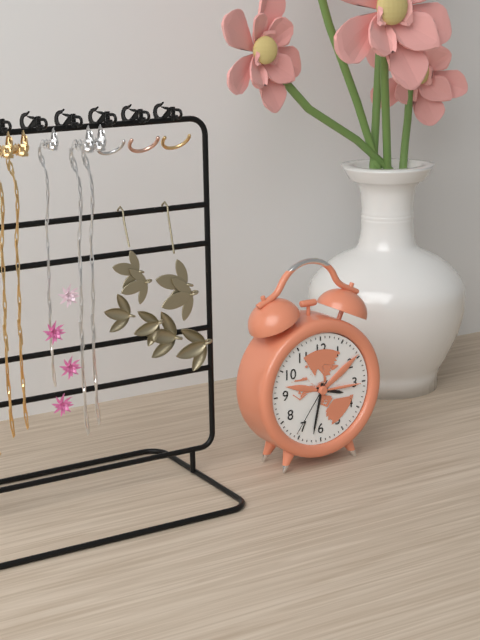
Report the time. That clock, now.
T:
3:32:36
